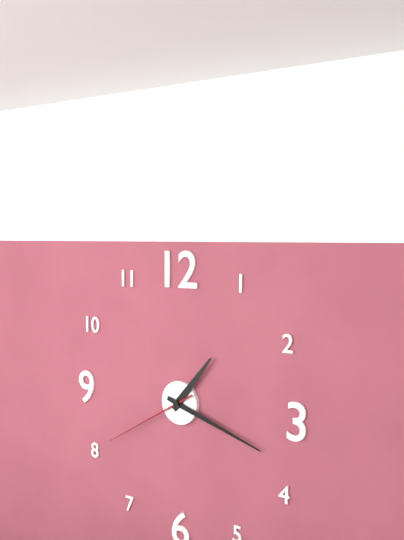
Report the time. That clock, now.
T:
1:18:40
